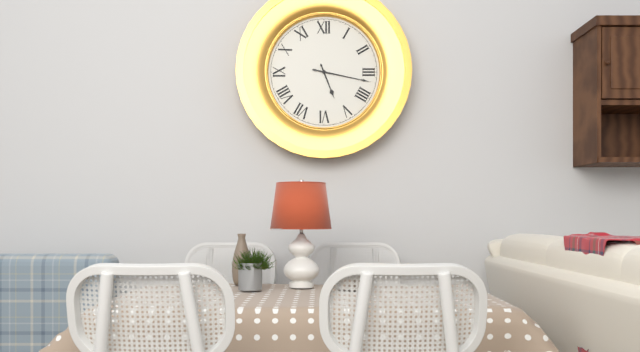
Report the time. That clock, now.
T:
5:17
